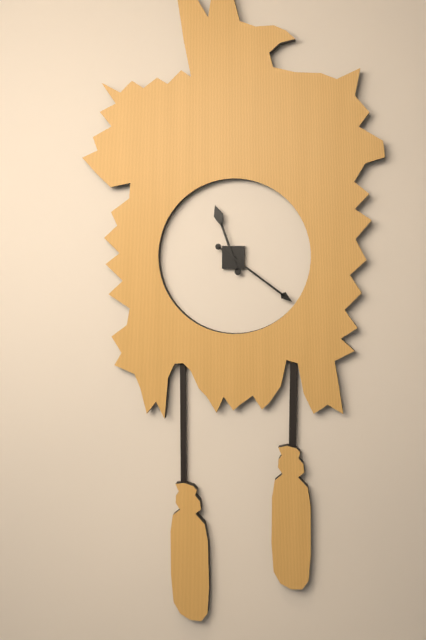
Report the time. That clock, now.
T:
11:21
